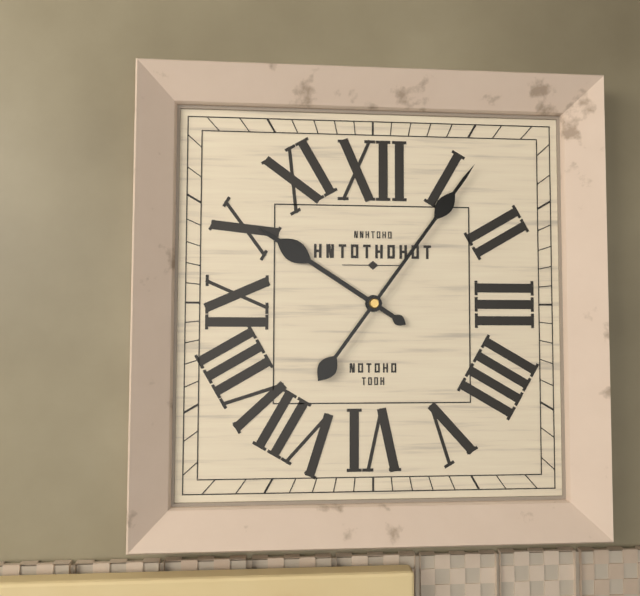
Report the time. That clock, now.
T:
10:06
